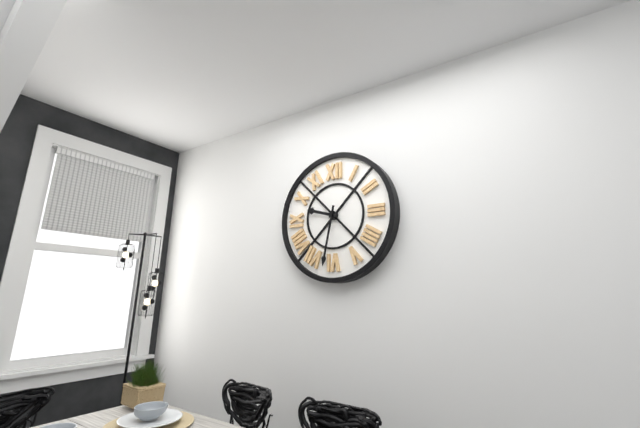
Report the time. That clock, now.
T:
9:32
